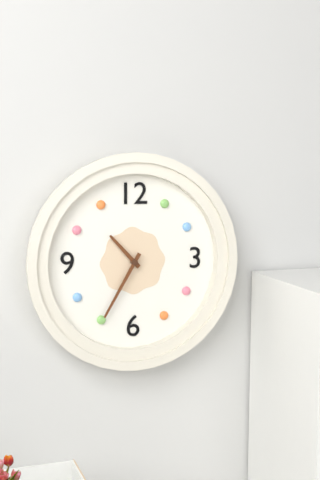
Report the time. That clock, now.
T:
10:35
